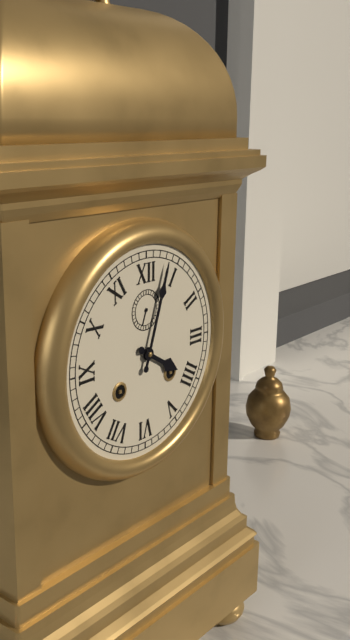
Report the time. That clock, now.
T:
4:03
